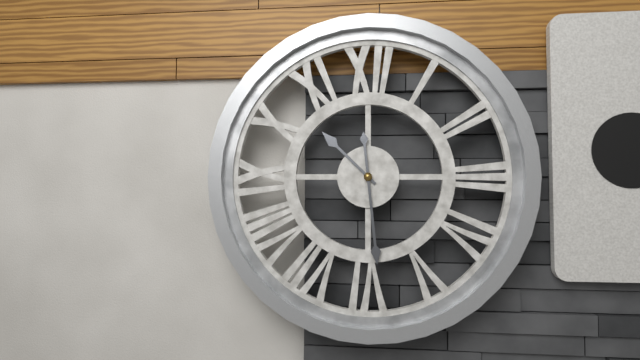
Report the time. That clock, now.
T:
10:29
